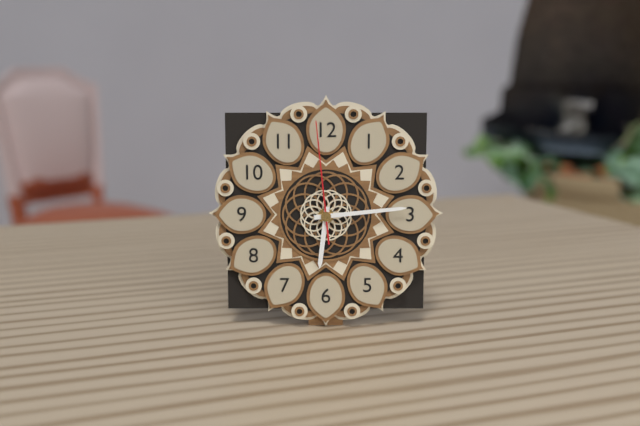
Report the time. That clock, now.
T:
6:14:59
